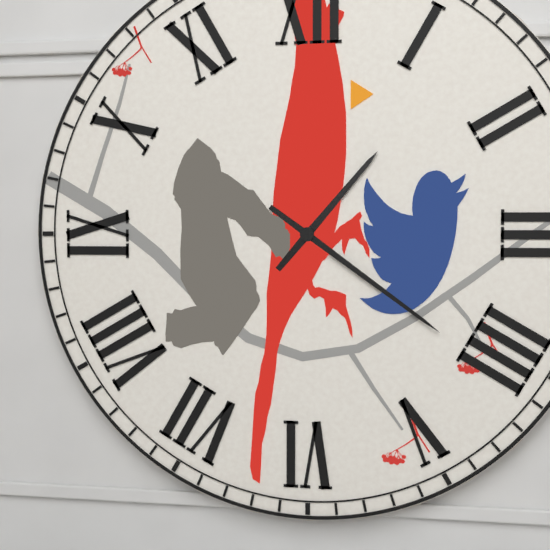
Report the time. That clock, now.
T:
1:21
